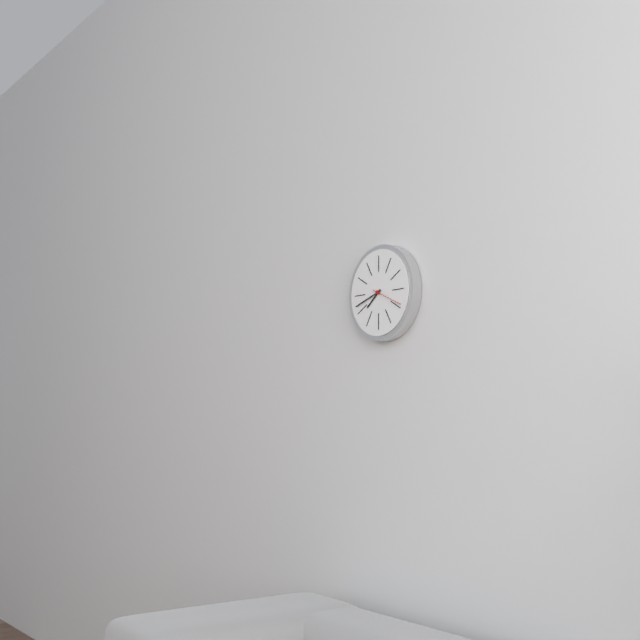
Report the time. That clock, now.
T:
7:42
